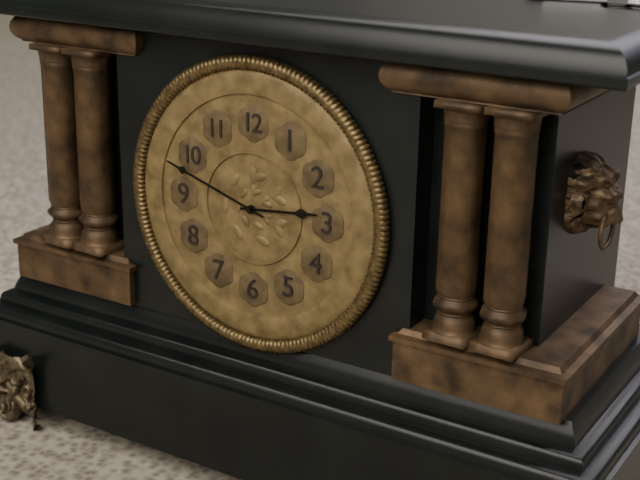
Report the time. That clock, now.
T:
2:48
